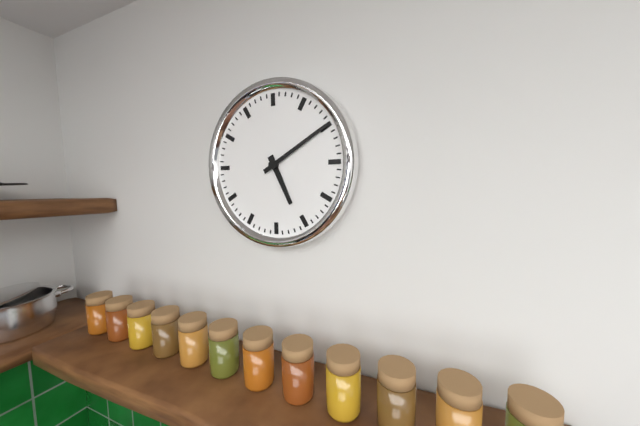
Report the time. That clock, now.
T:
5:10
